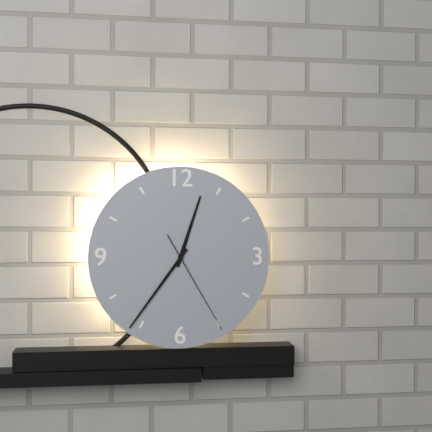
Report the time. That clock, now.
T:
12:36:25
